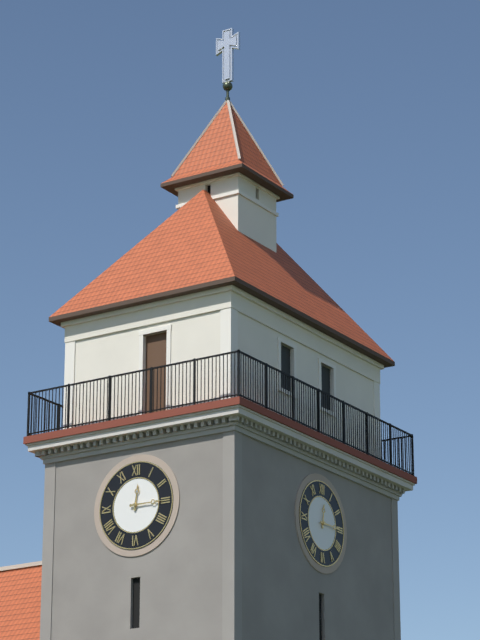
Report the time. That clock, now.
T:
12:15
